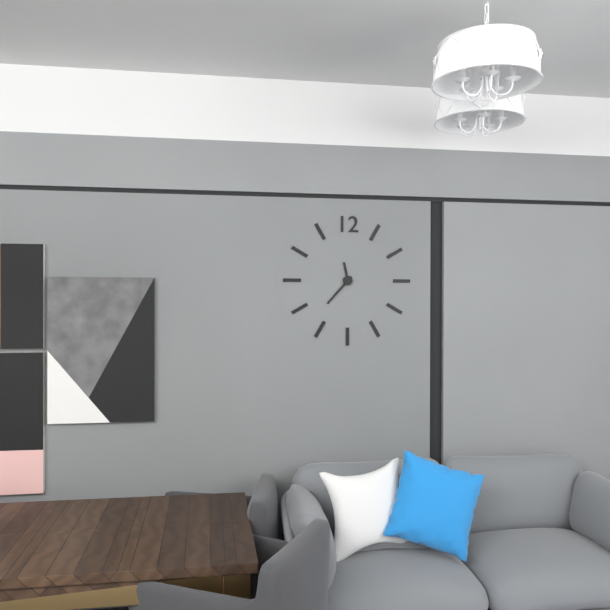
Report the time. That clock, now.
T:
11:37
